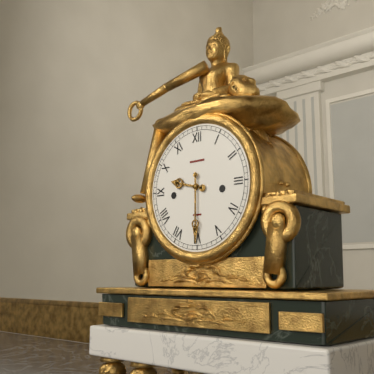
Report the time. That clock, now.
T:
9:30
